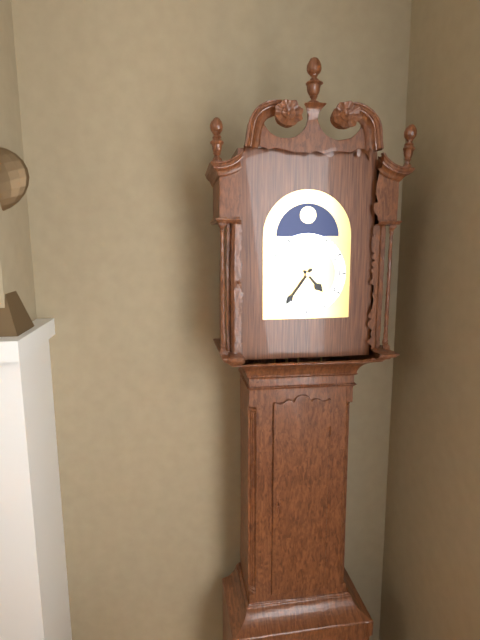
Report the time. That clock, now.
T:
4:36
